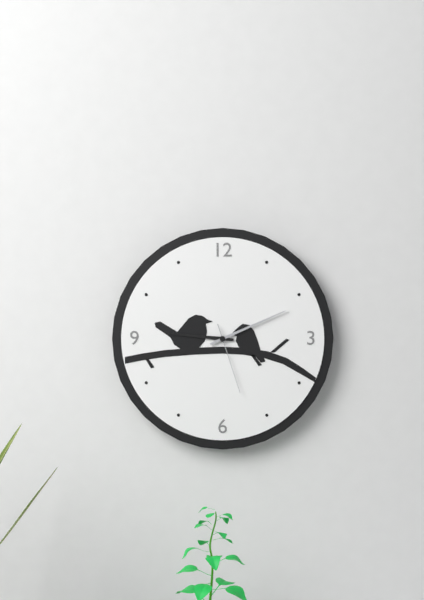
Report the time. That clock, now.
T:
9:11:27
